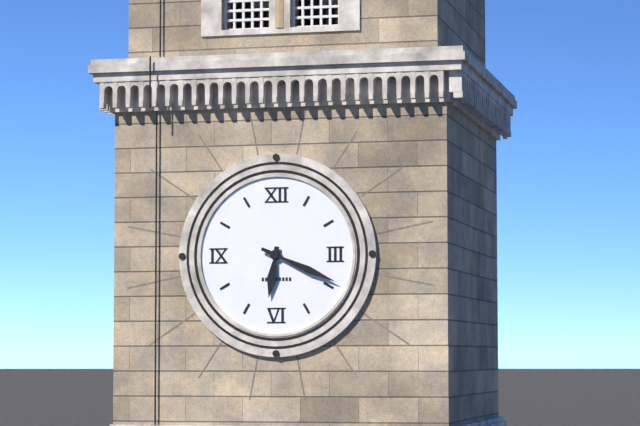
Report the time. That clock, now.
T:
6:19
